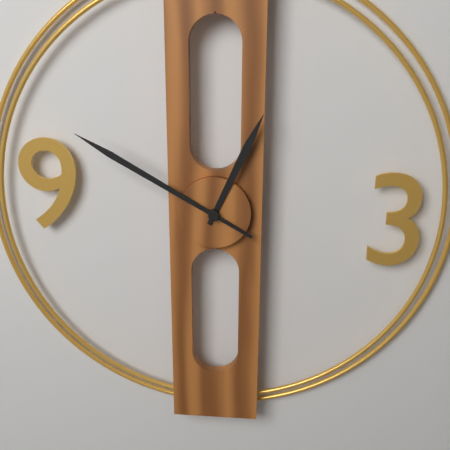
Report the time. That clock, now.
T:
12:50
